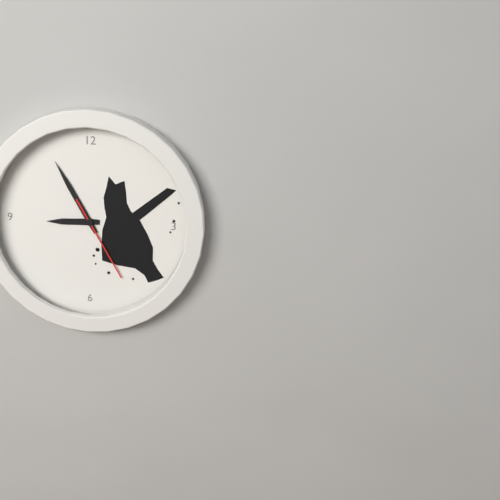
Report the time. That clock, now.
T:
8:55:25
